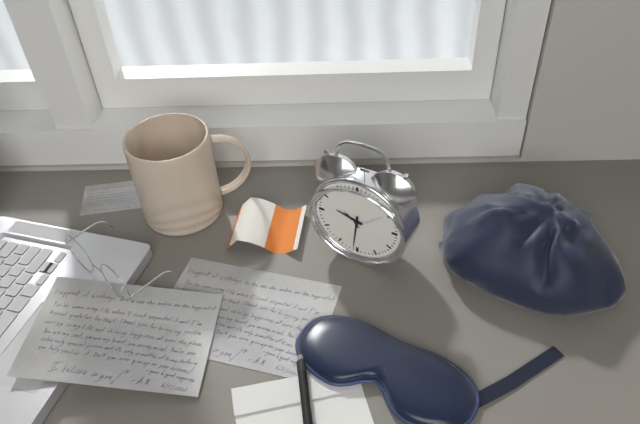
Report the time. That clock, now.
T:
9:31
